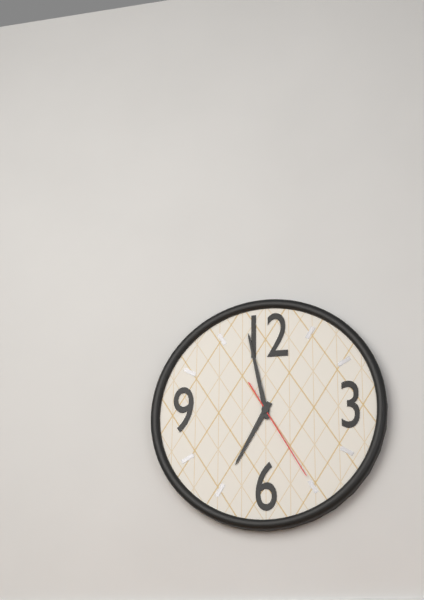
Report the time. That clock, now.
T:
6:58:25
